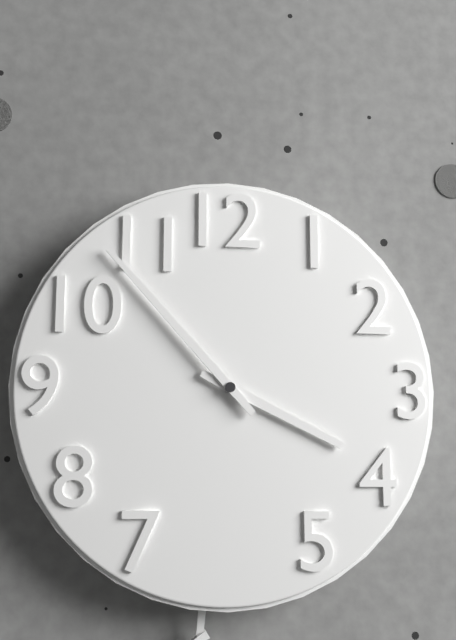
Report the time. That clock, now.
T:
3:53
